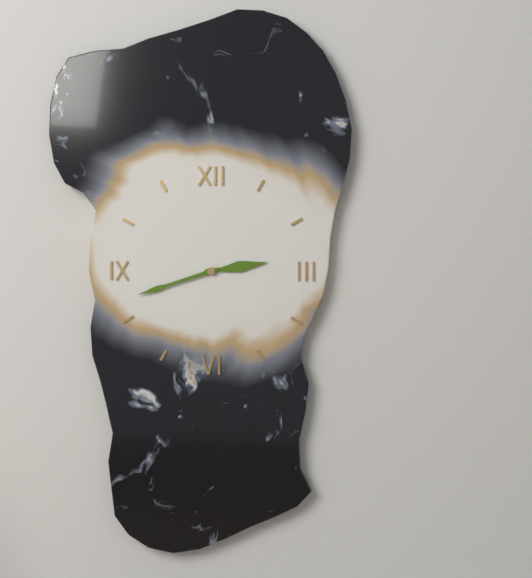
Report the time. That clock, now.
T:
2:42
